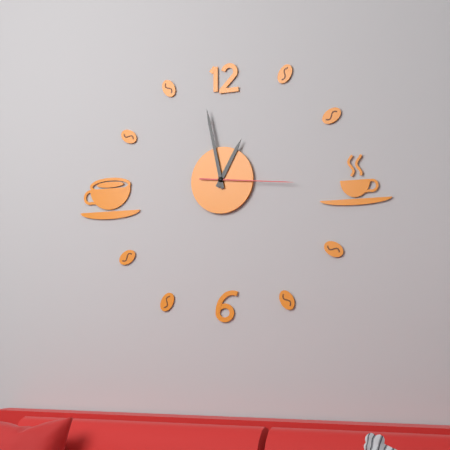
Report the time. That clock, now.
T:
12:58:16
